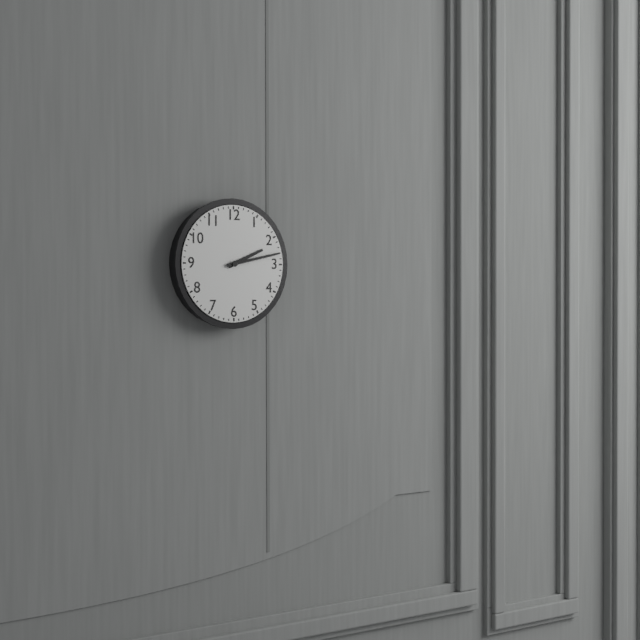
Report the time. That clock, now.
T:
2:13
